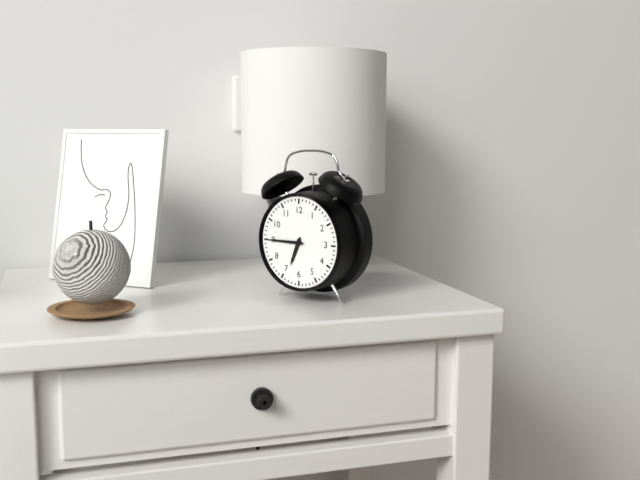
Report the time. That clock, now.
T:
6:45
